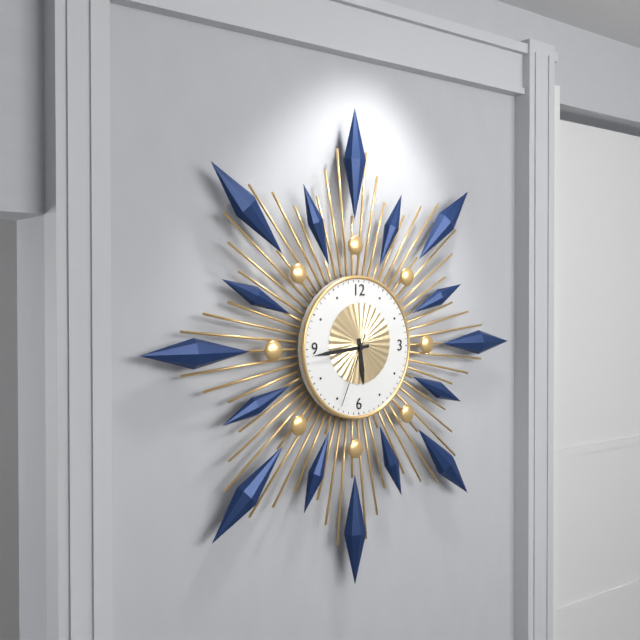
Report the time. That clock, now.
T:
5:44:34
